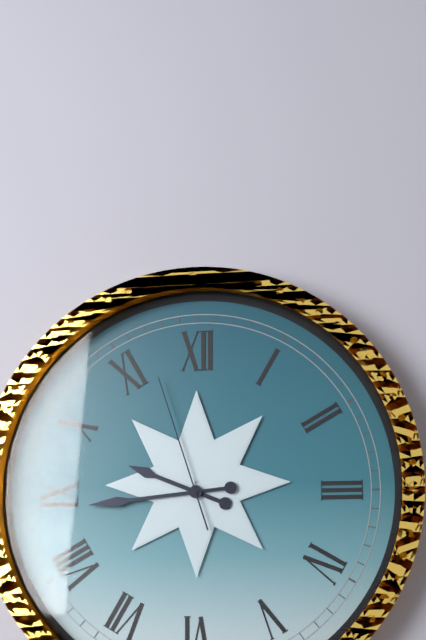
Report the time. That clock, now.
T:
9:44:57
